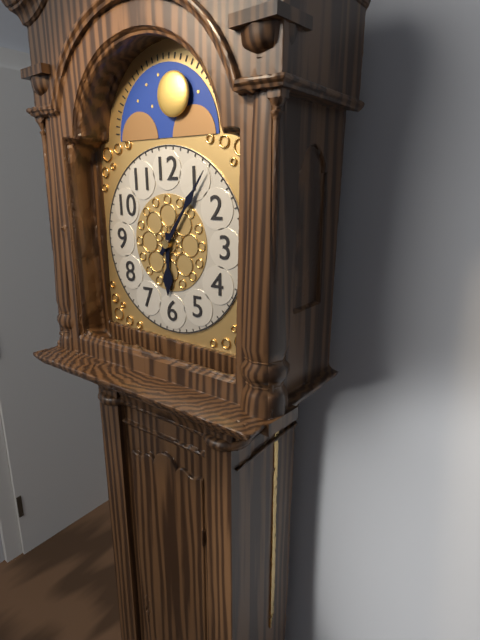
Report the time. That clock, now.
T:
6:06
